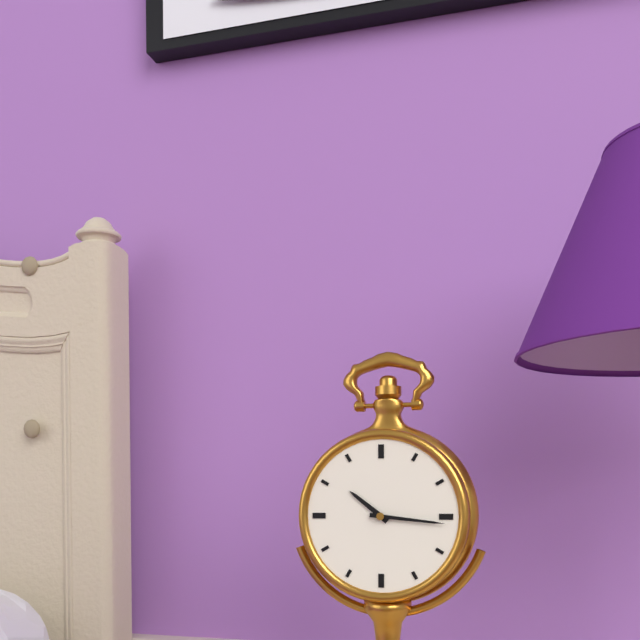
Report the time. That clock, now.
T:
10:16
